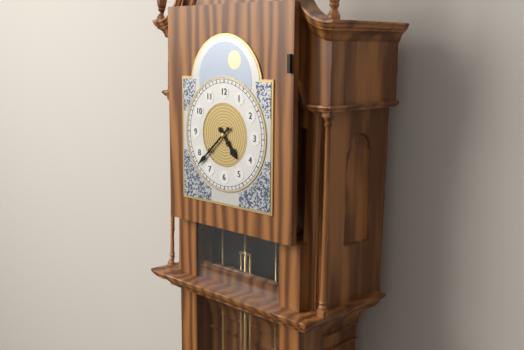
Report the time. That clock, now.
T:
4:38
